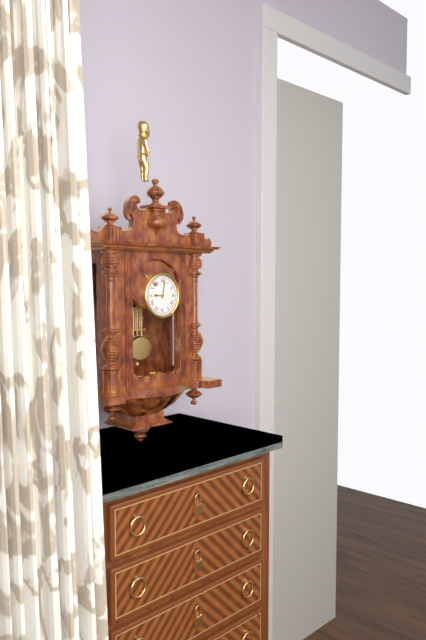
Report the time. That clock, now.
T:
9:02
